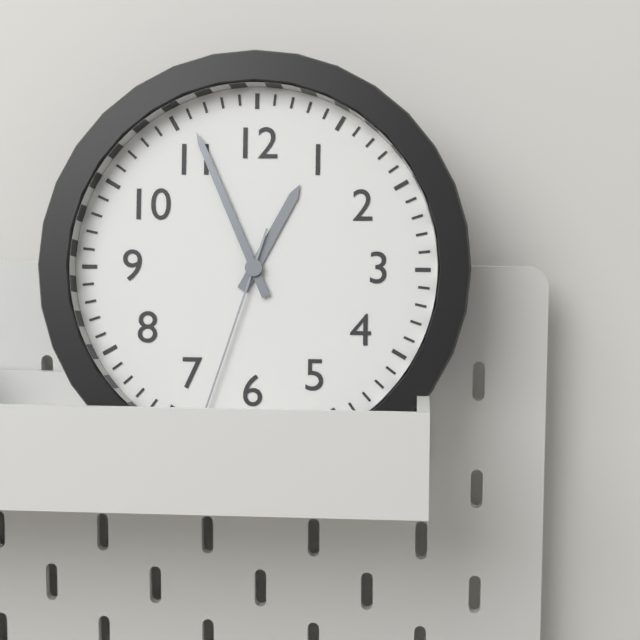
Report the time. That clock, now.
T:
12:56:33
